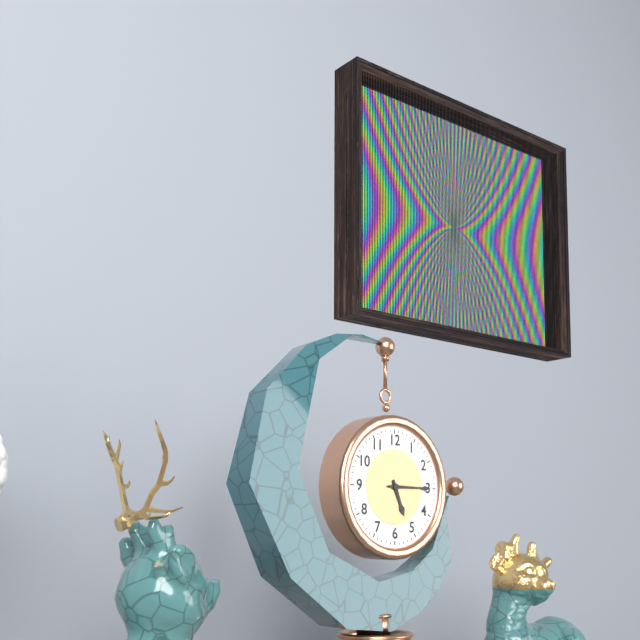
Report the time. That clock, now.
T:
5:15
